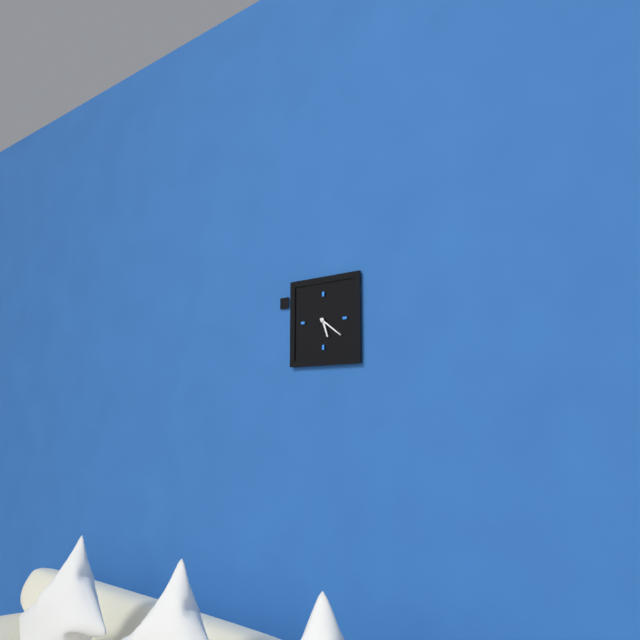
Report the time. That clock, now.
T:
5:21
